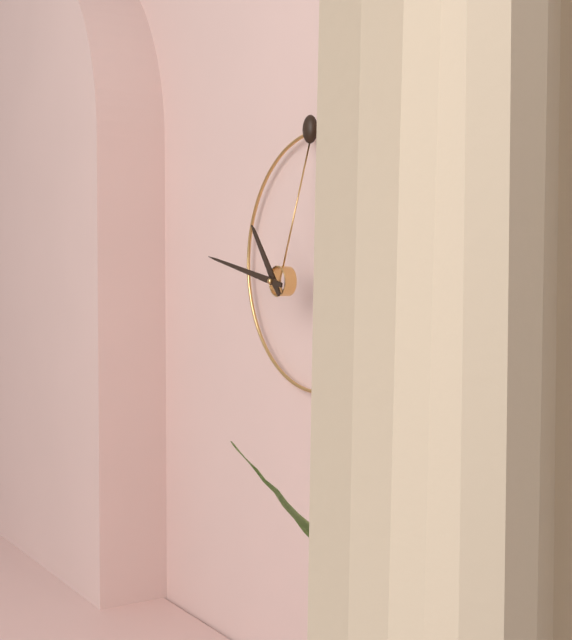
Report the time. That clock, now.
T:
10:47
